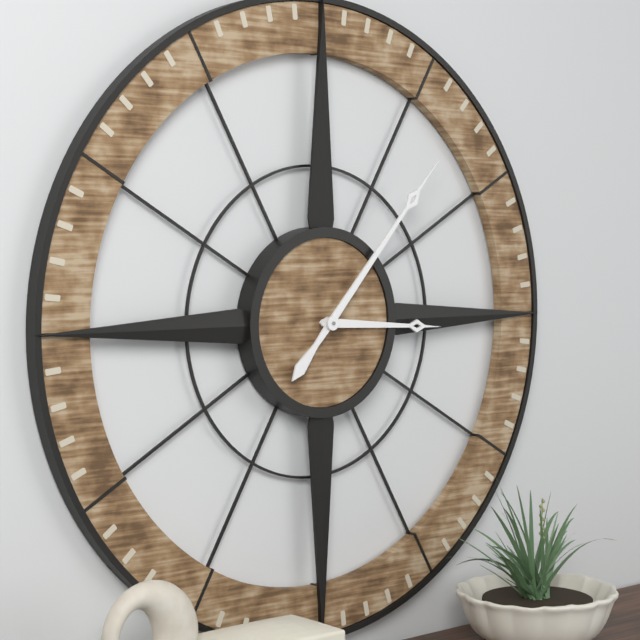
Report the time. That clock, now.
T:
3:07
